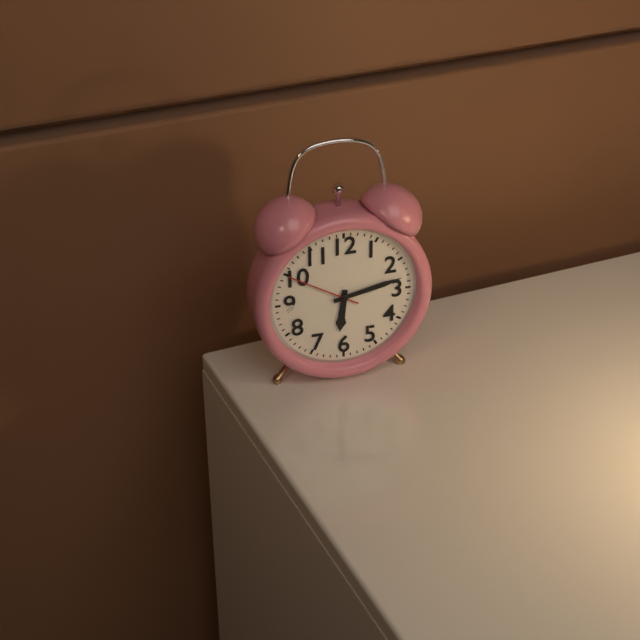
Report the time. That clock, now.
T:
6:13:50
